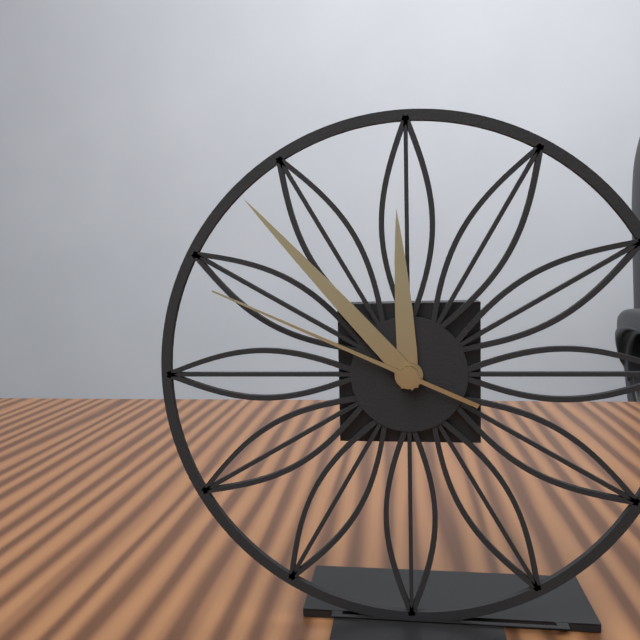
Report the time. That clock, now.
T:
11:53:49
